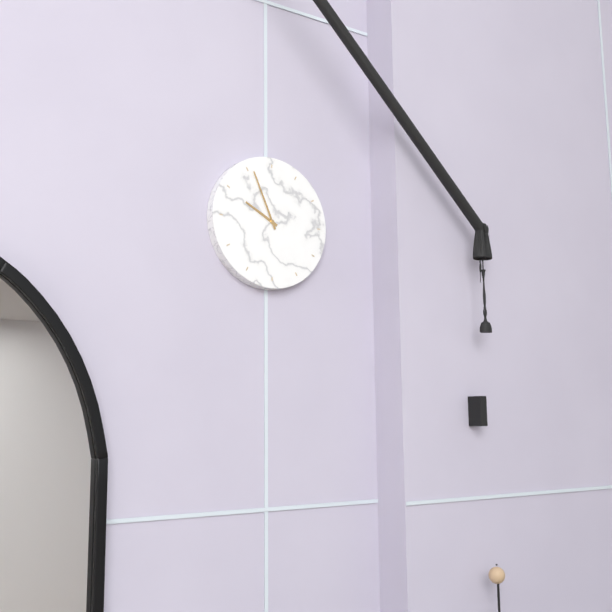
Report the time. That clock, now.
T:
9:56
